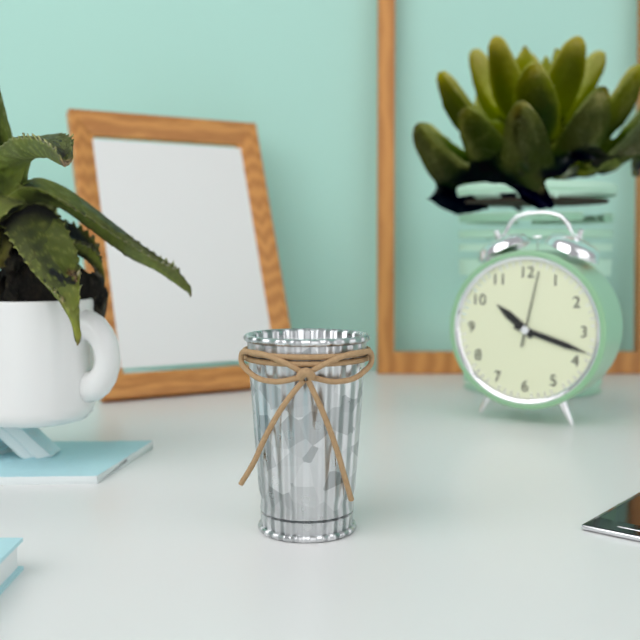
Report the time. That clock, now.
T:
10:18:02
